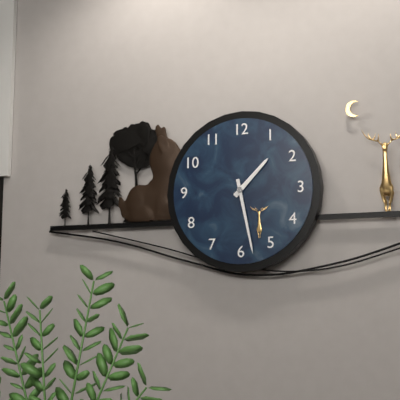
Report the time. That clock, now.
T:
1:28
